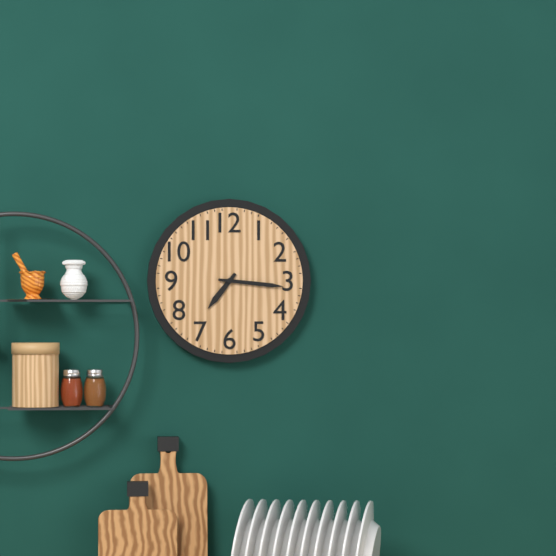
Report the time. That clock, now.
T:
7:16
